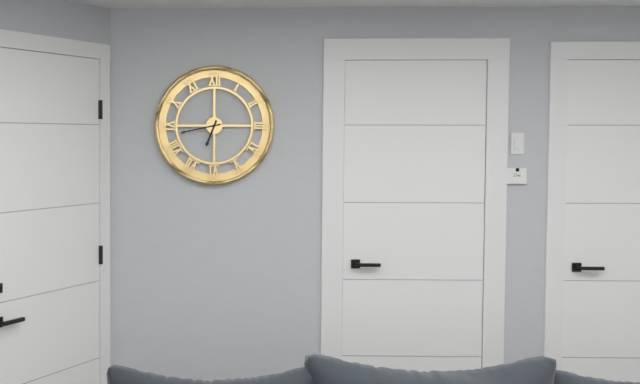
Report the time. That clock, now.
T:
6:43
